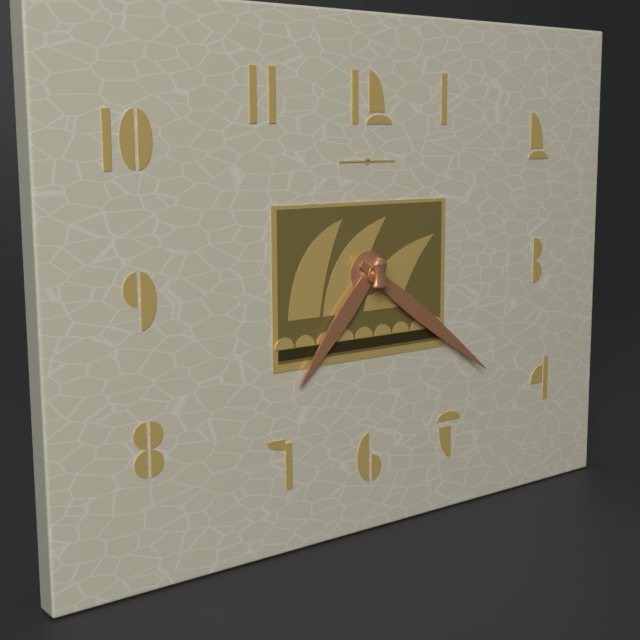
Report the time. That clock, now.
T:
7:21
